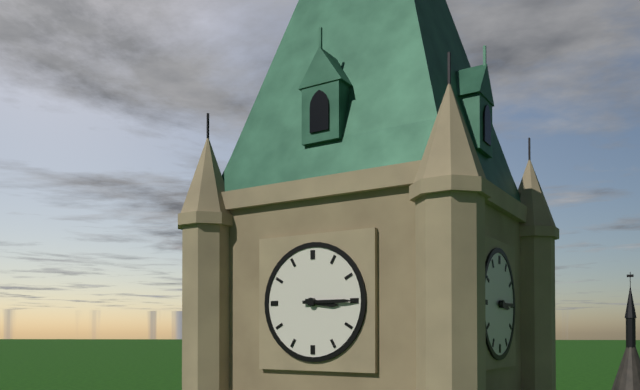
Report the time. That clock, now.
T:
3:15
